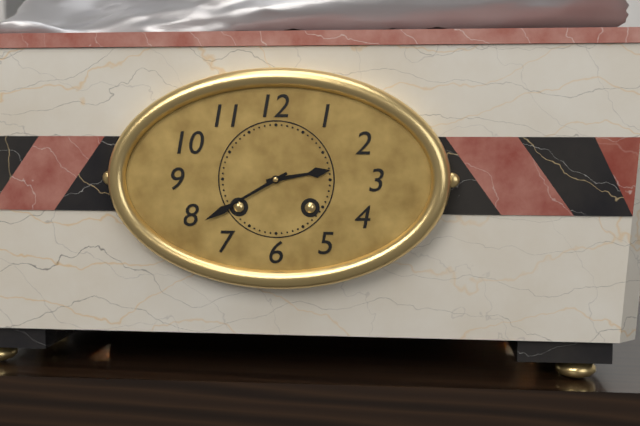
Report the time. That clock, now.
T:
2:40
